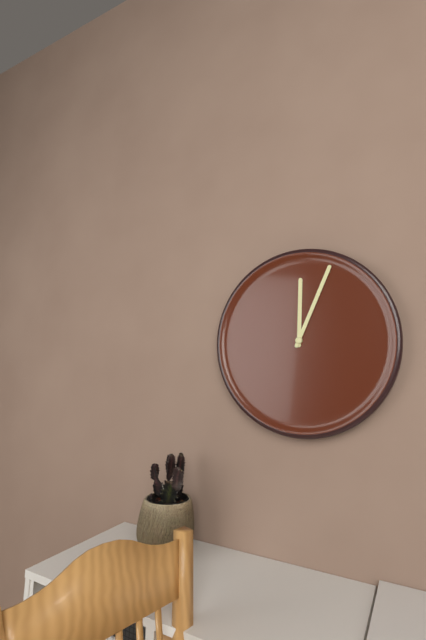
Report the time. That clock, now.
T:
12:04
